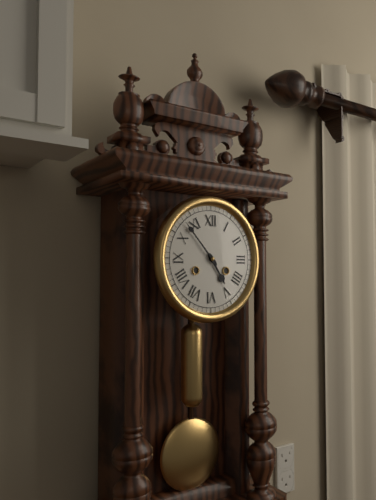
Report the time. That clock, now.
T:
4:53
